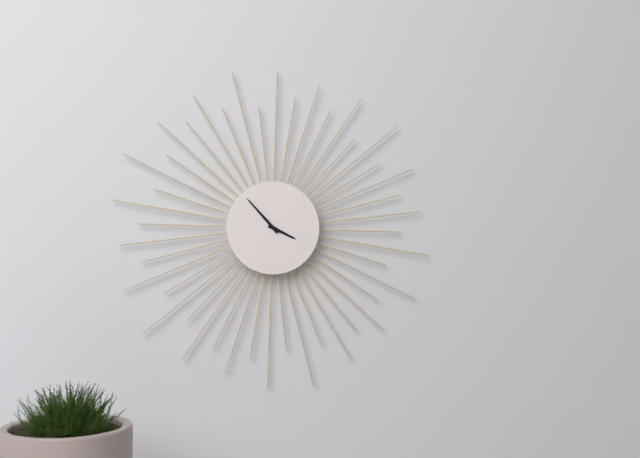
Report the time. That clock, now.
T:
3:53
